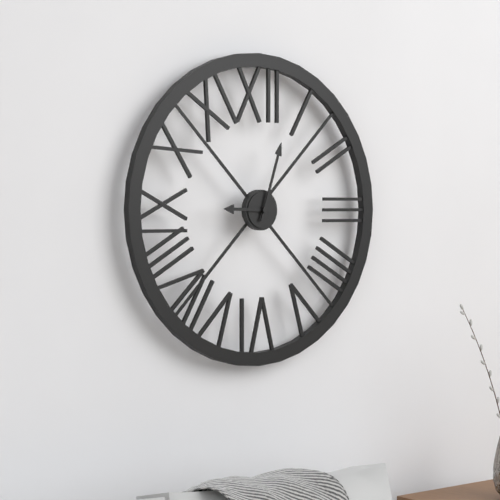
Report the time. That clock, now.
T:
9:03
